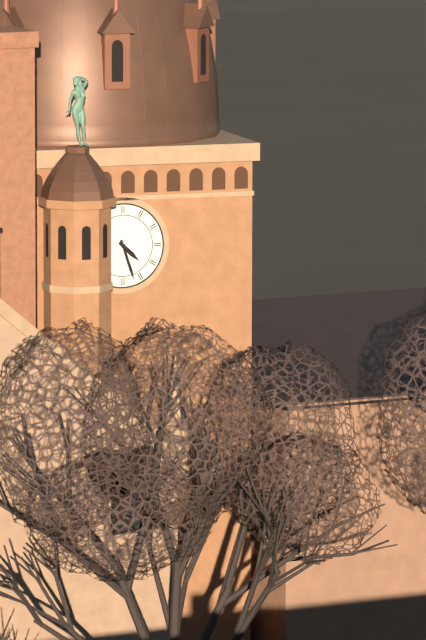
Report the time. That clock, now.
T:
4:27
